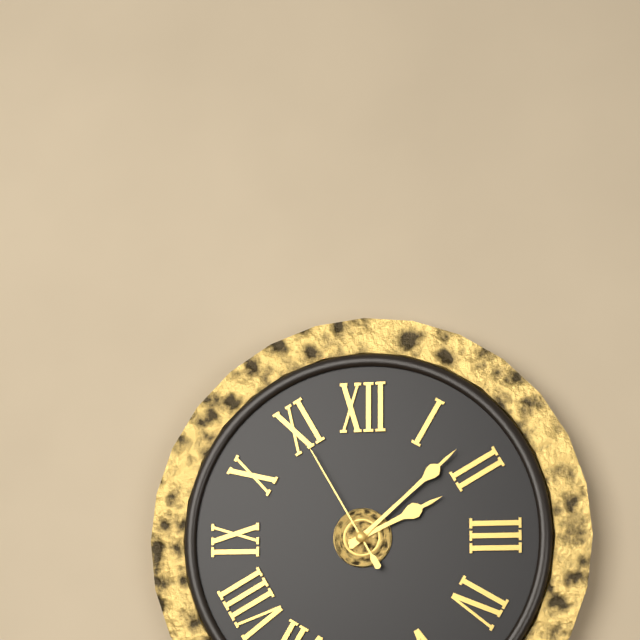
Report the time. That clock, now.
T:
2:08:55
